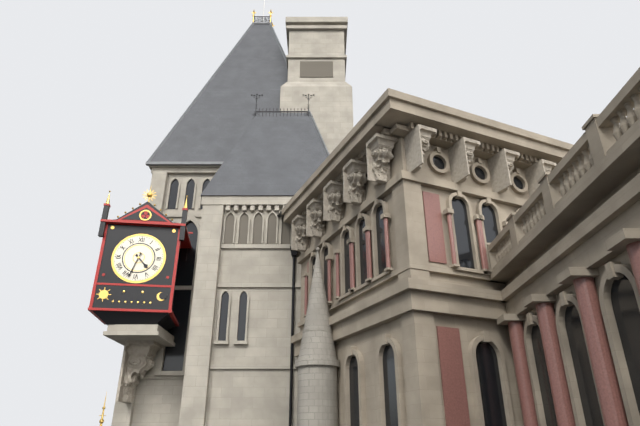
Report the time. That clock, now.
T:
4:33
